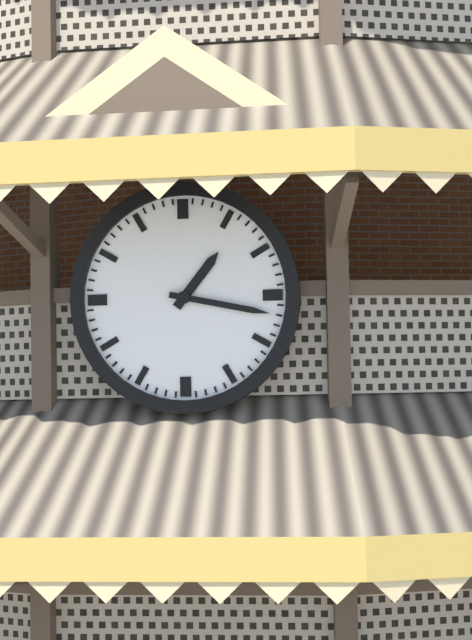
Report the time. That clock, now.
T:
1:17
